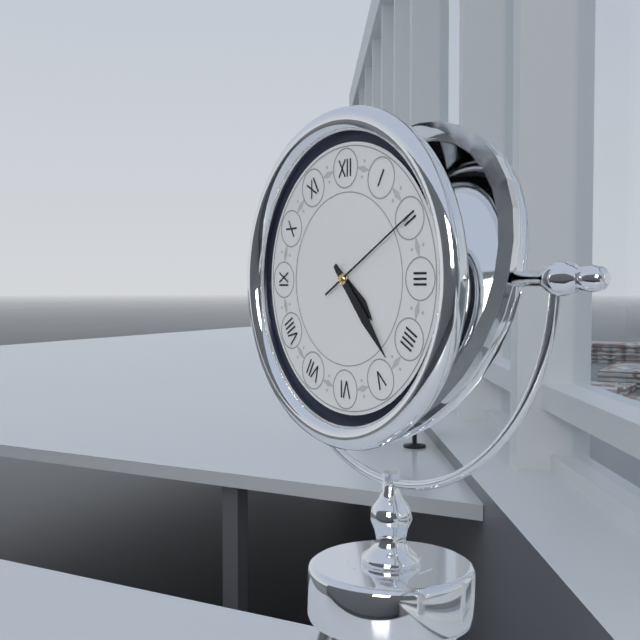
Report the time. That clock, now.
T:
4:23:10
